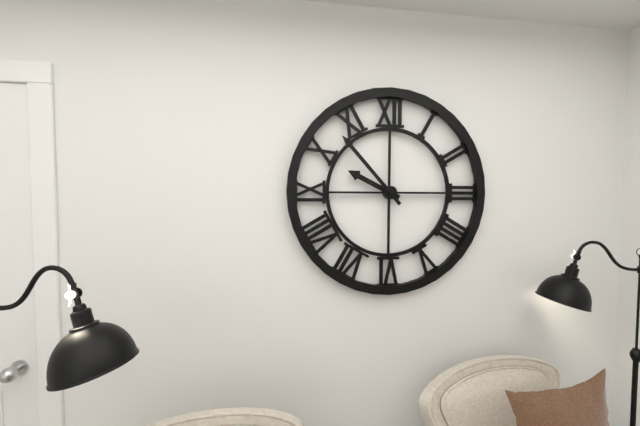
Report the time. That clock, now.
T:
9:53
